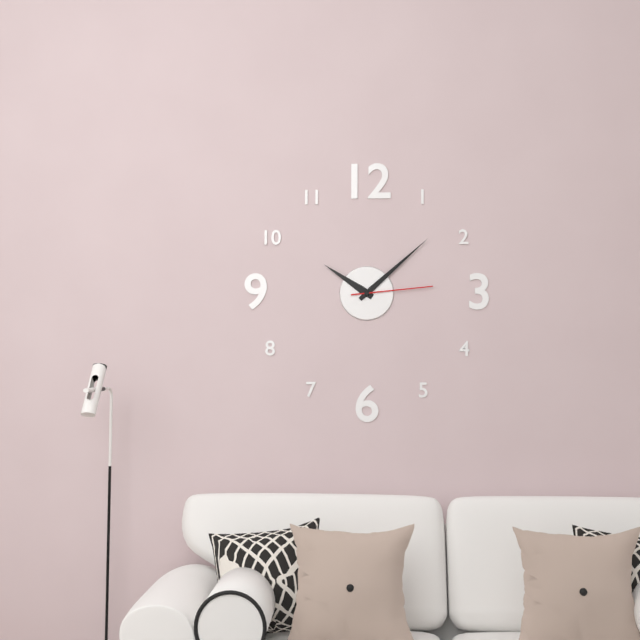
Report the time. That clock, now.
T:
10:08:14
